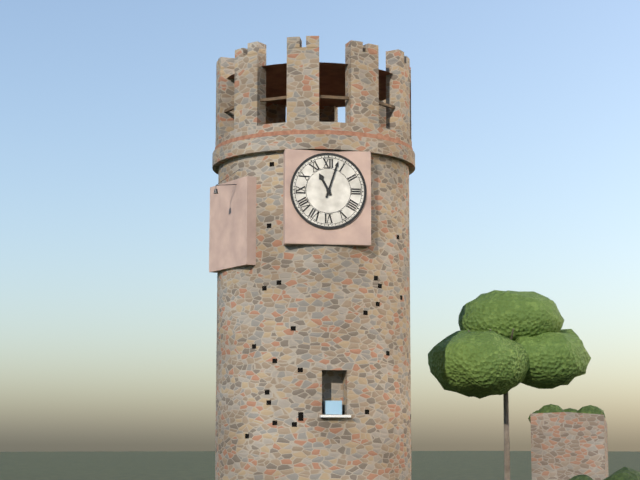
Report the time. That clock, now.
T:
11:03
